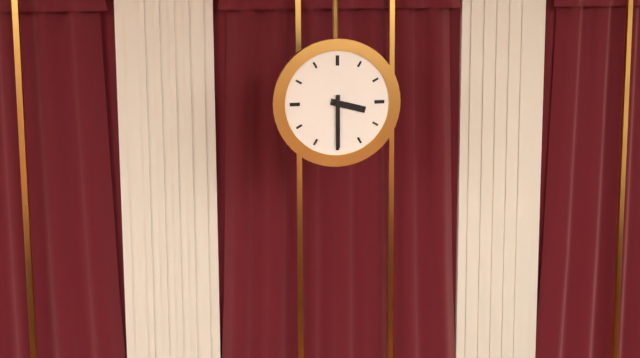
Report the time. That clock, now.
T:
3:30
